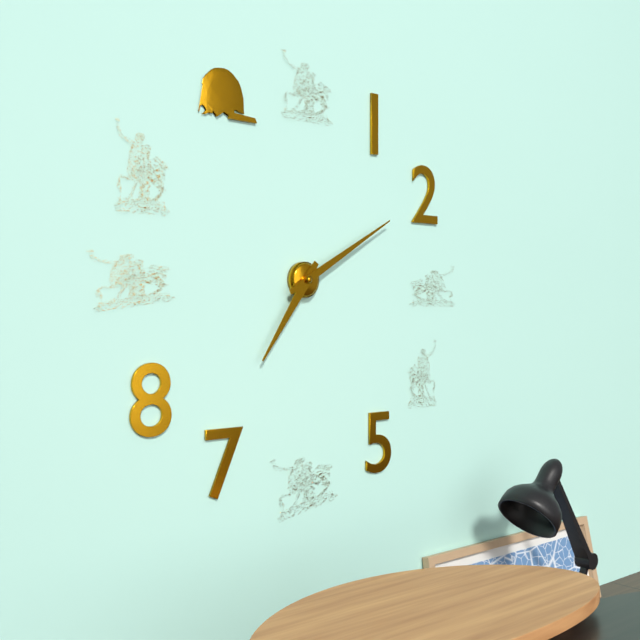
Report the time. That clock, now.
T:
7:10
